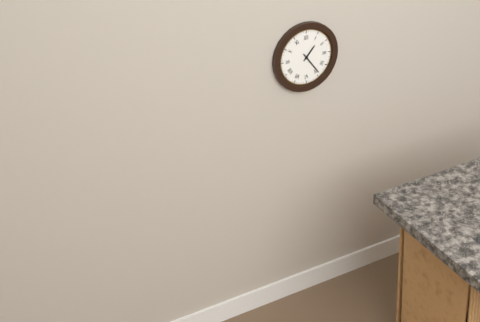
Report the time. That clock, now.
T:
1:24
